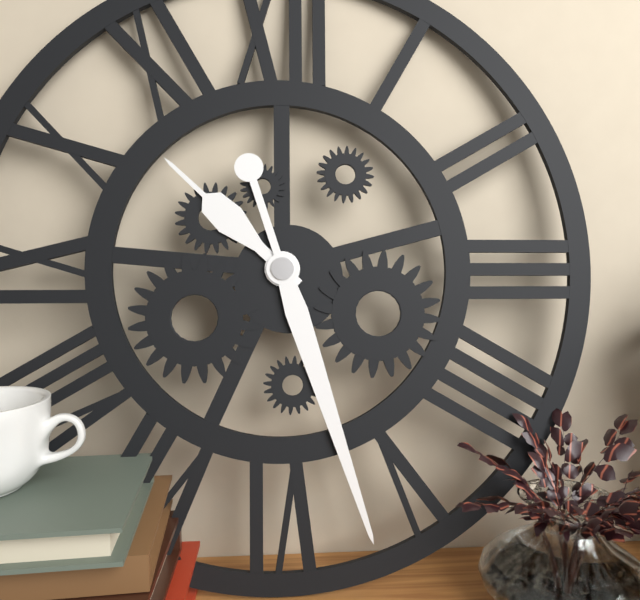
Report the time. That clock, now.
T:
10:27
